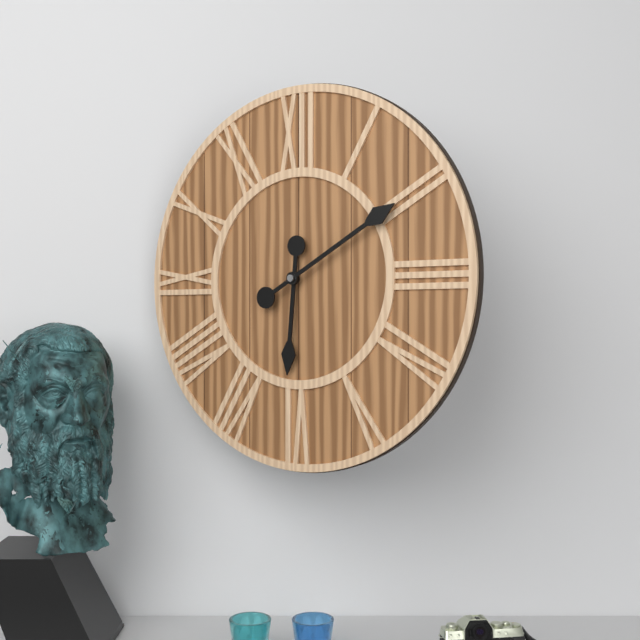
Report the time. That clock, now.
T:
6:10
